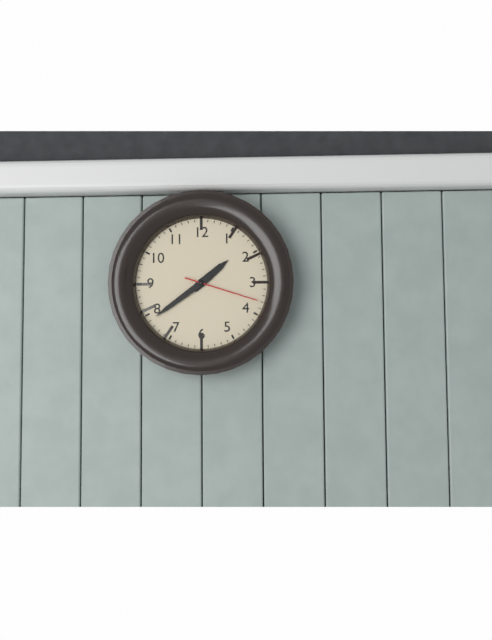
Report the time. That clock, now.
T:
1:39:18
